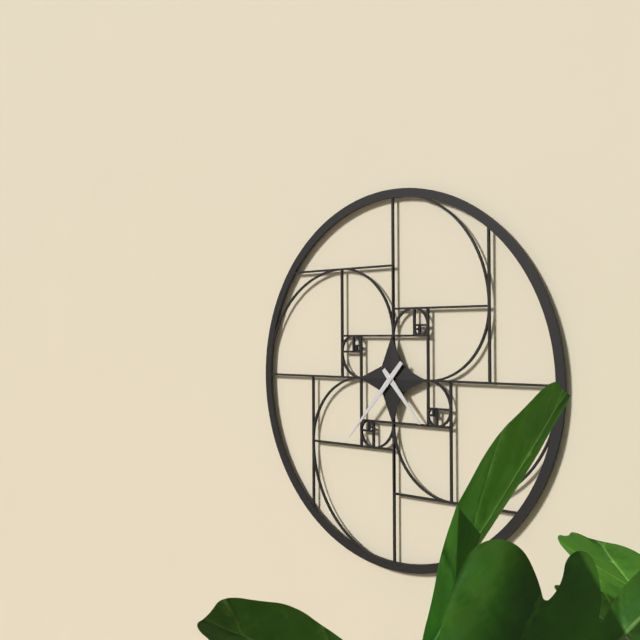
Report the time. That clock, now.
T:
4:37
